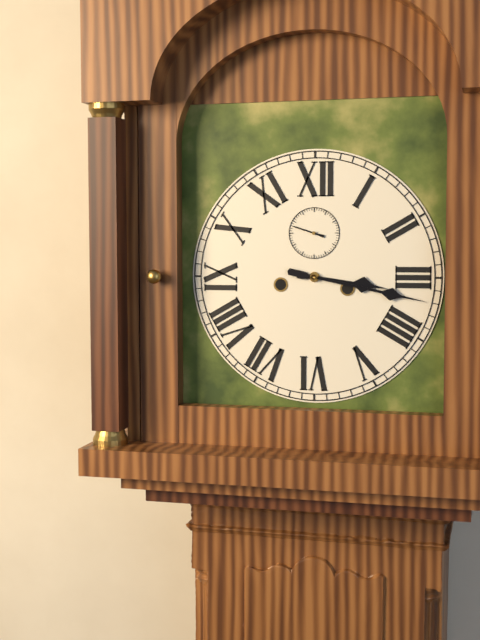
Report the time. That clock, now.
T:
3:17
